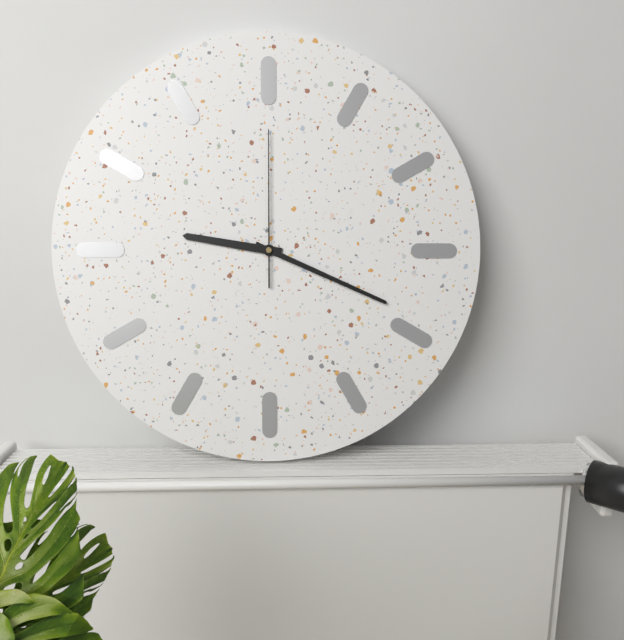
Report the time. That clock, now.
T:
9:19:00
